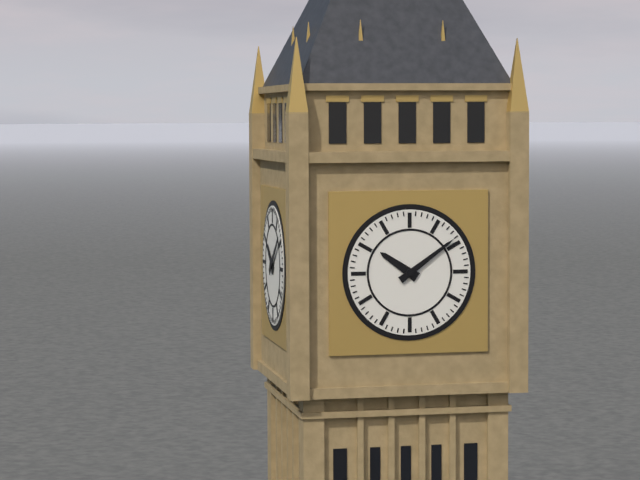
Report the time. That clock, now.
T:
10:09
